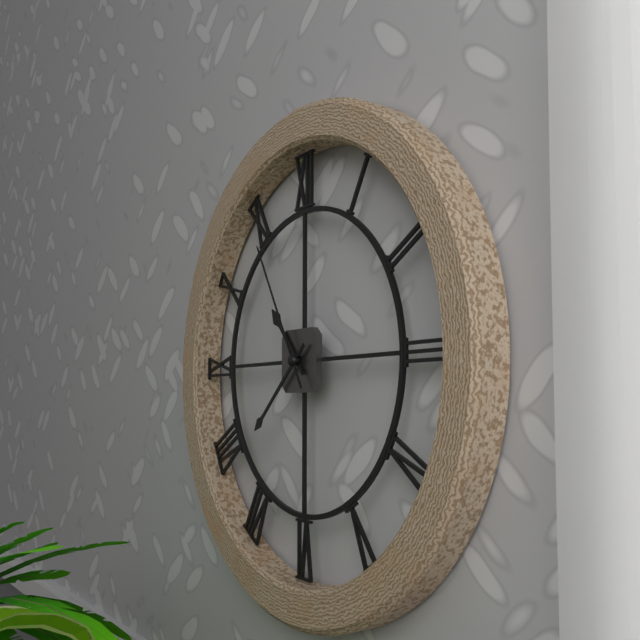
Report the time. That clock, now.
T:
10:38:55
